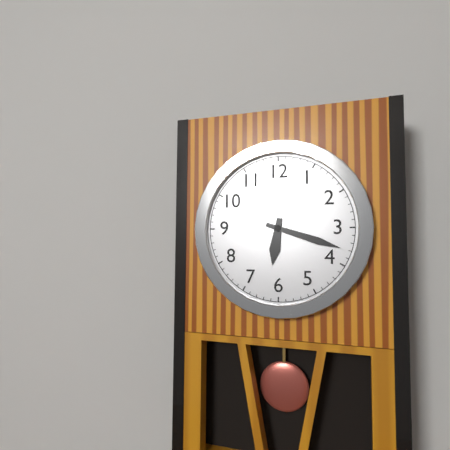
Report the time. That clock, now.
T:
6:18
